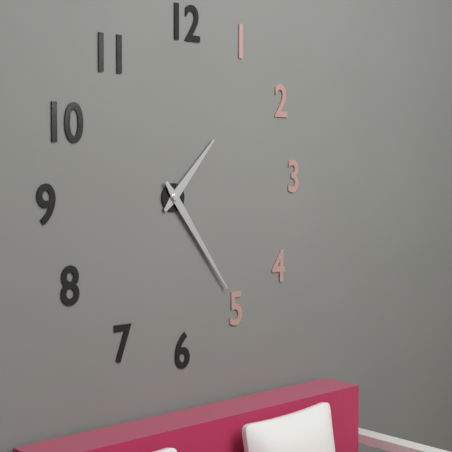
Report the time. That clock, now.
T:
1:24
